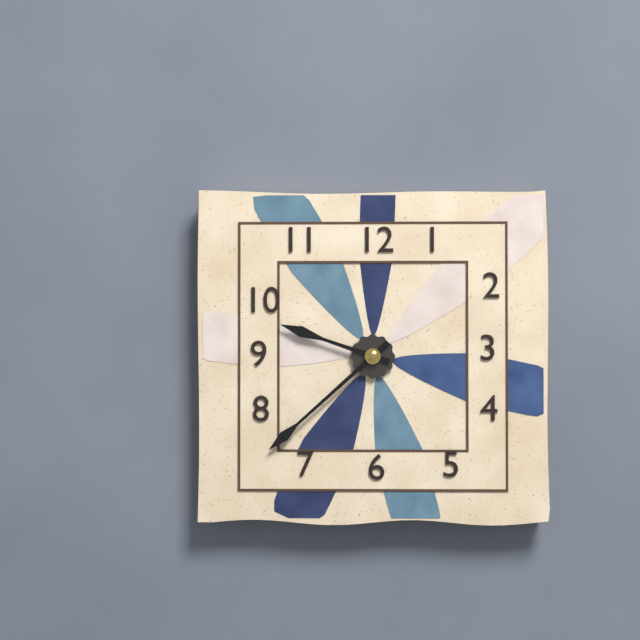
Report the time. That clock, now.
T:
9:38
